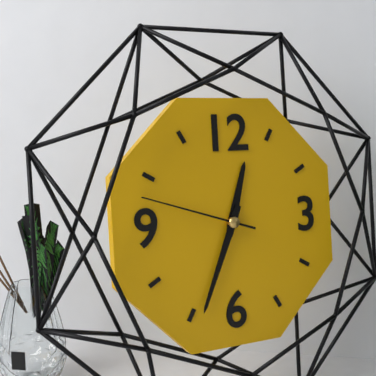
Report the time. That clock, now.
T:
12:34:48
